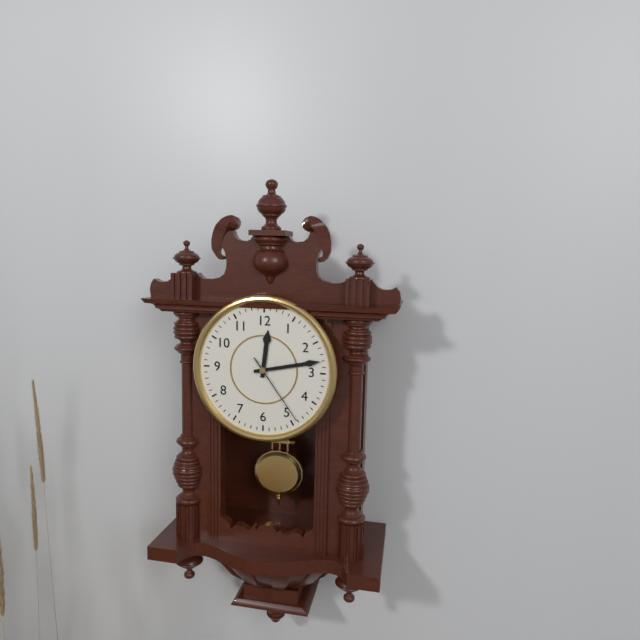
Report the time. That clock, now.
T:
12:13:24
